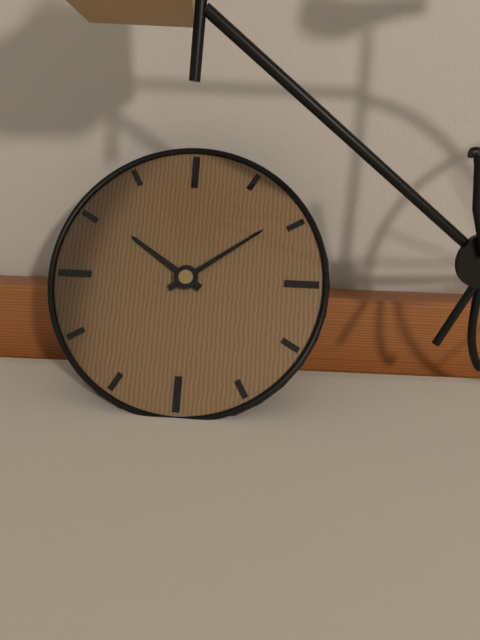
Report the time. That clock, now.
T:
10:09
